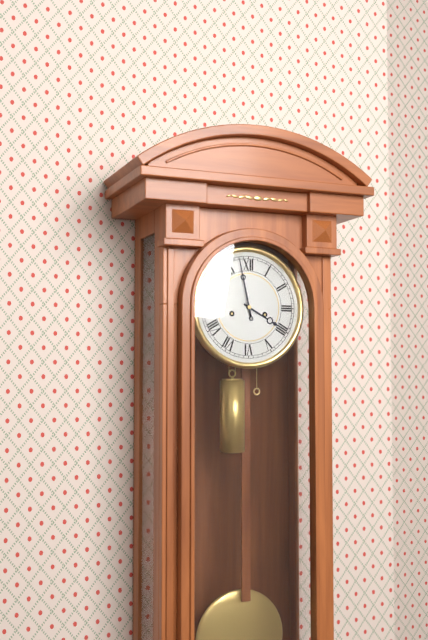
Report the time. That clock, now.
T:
3:58
